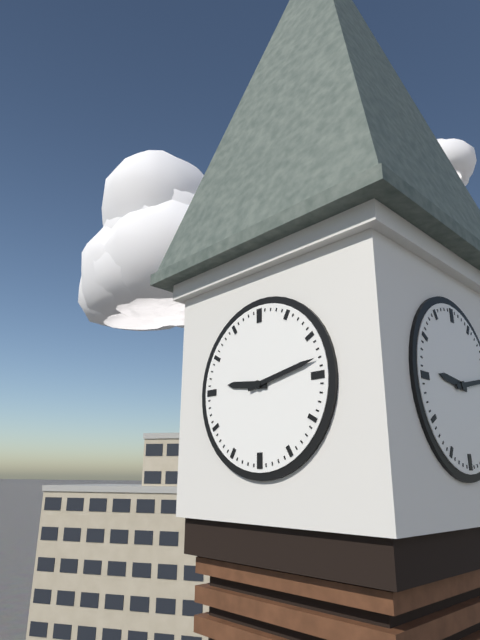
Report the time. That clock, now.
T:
9:13
